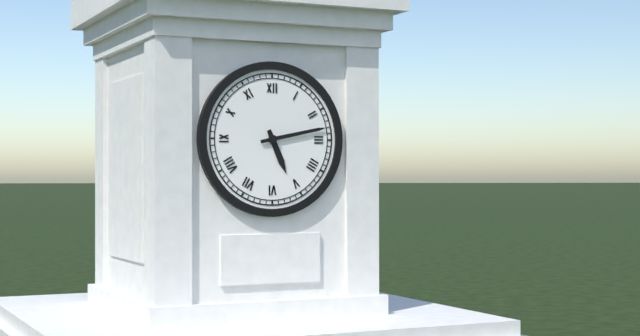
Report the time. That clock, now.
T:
5:13
